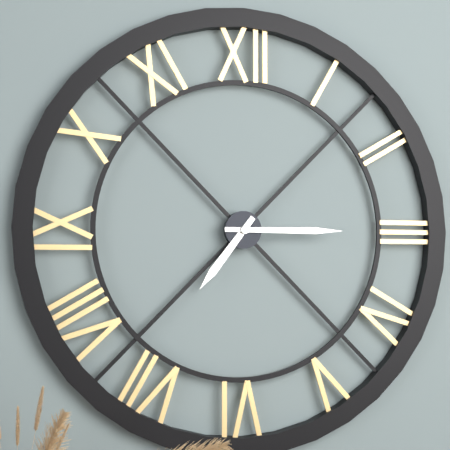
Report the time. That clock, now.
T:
7:15
